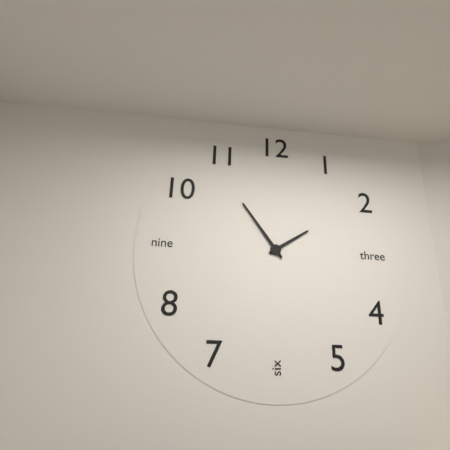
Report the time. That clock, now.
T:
1:54
